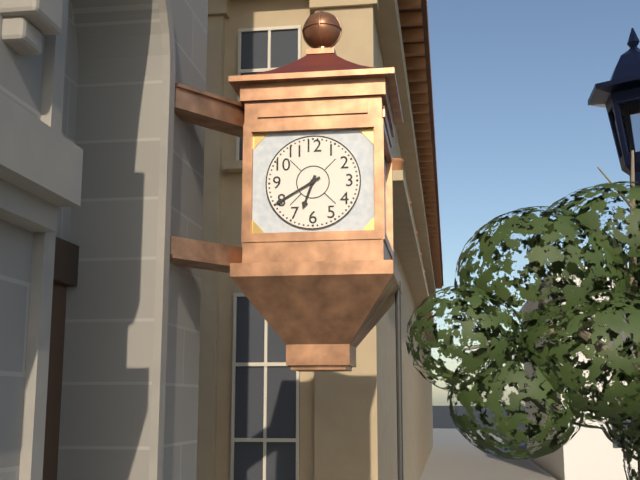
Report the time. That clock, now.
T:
6:40
